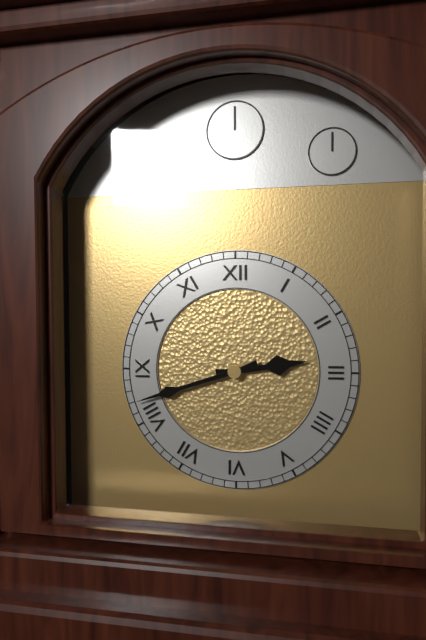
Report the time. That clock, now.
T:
2:42
